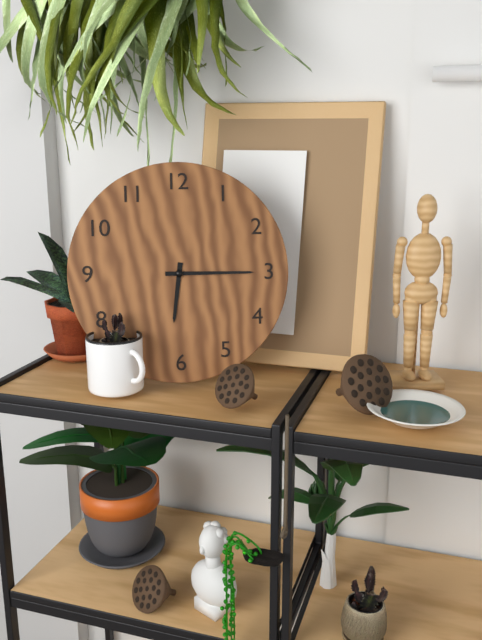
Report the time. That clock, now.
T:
6:15
